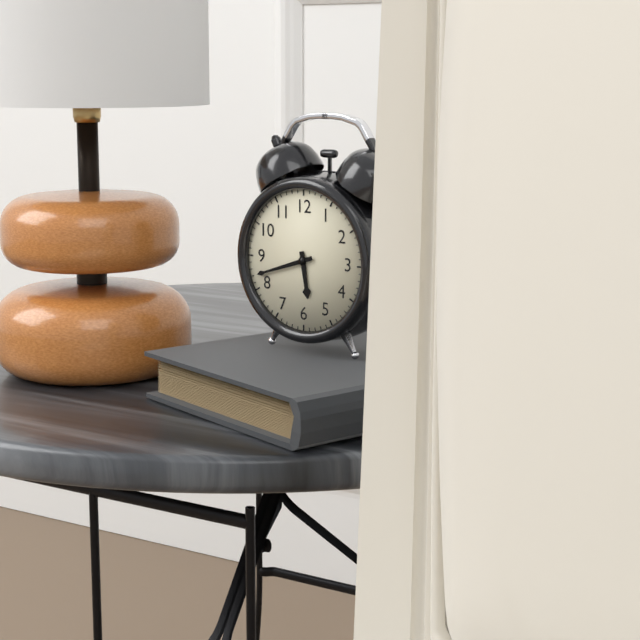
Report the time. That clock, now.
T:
5:42
